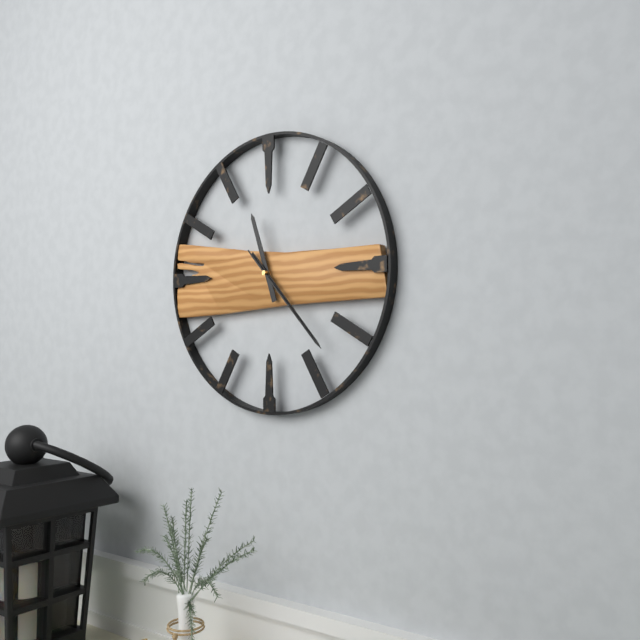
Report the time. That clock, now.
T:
11:23:23
